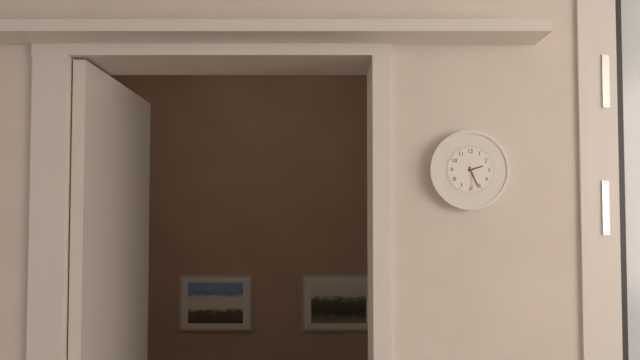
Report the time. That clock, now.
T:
2:26
